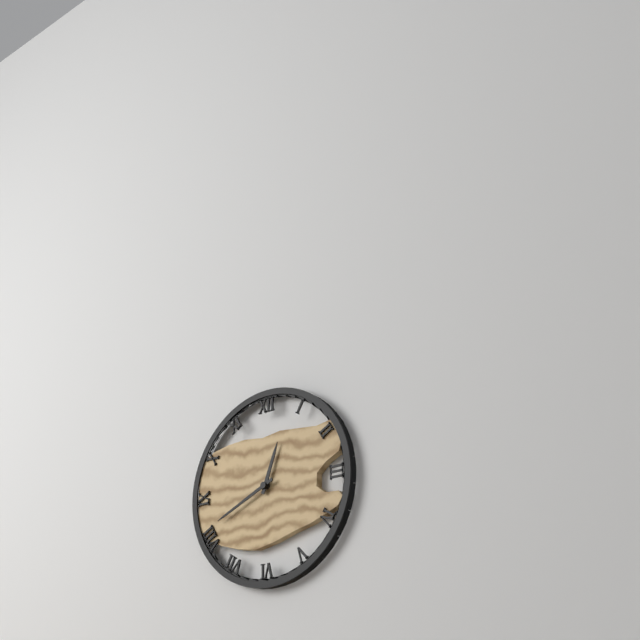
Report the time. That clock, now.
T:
12:41
